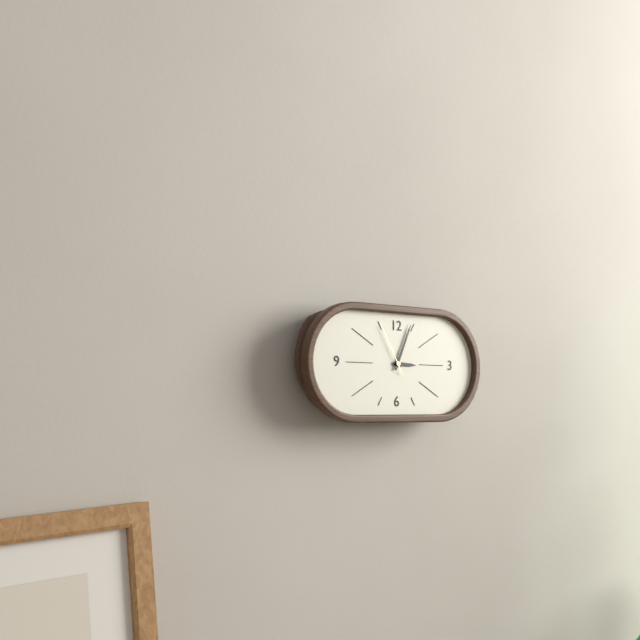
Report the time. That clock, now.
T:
3:04:55
